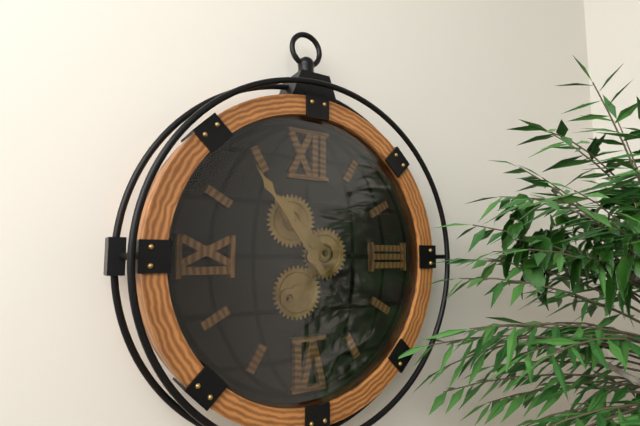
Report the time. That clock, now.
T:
10:54
